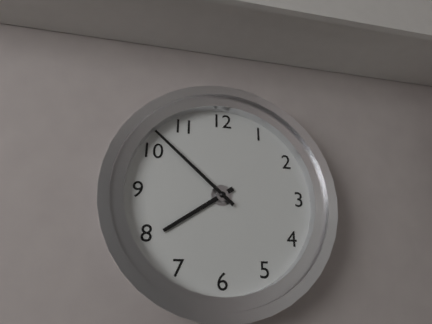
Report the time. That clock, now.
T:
7:52
